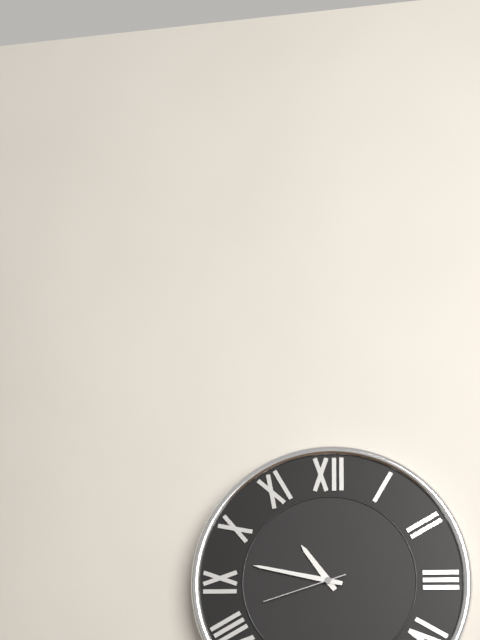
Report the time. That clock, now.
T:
10:47:42
